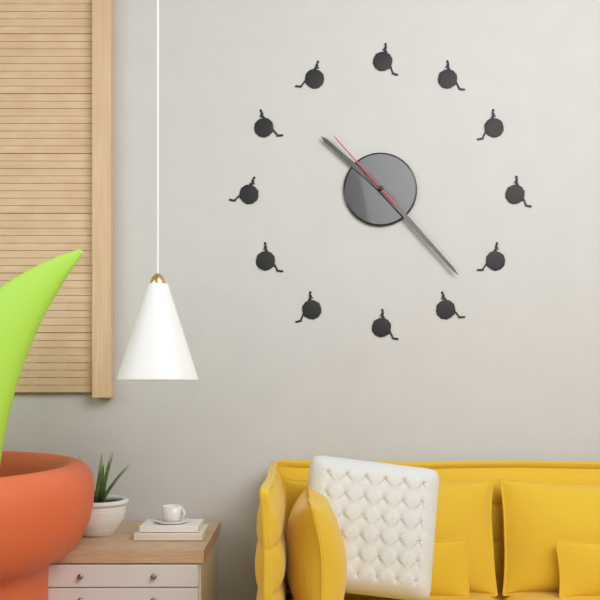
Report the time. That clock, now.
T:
10:23:53
